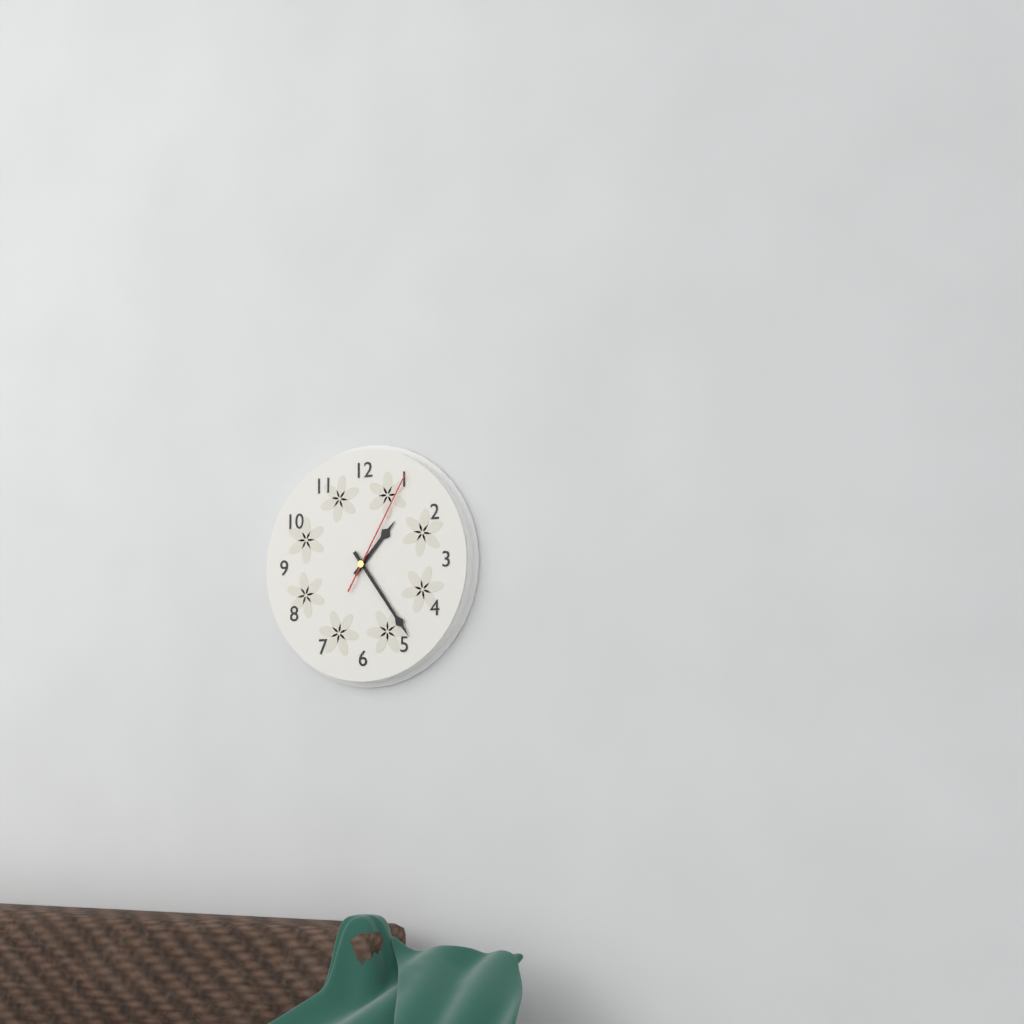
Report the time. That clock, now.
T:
1:24:05
